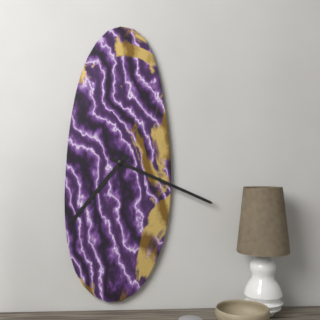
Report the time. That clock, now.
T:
7:19
